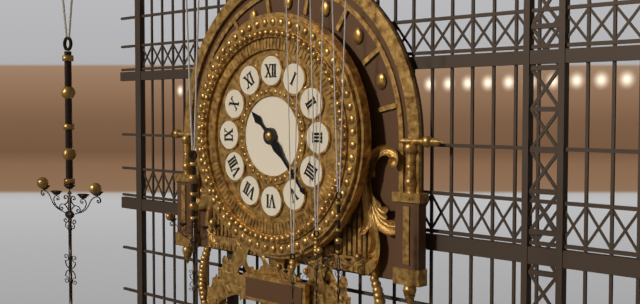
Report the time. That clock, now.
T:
10:23
